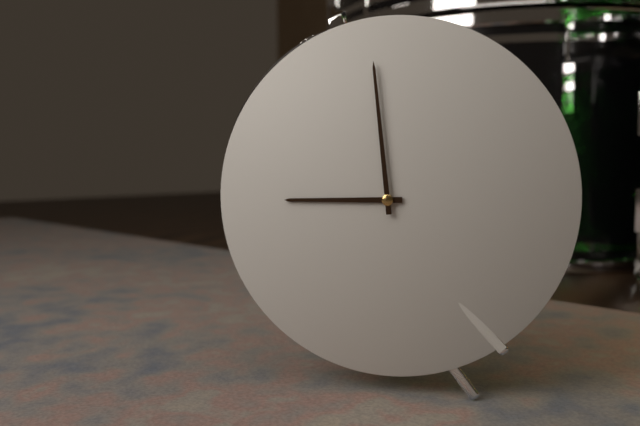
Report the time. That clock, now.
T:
8:59
